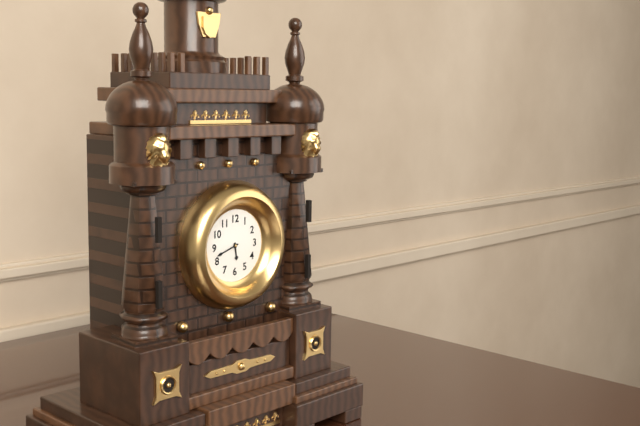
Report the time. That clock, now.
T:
5:42
